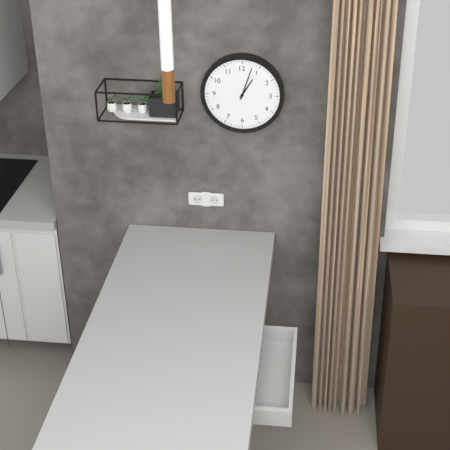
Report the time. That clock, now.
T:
1:03
